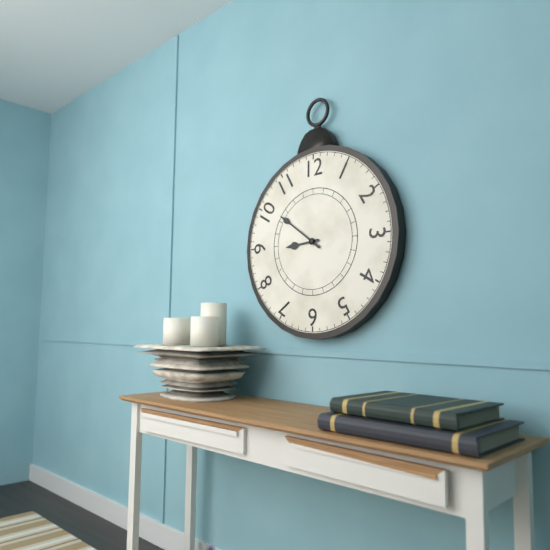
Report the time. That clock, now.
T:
8:51
